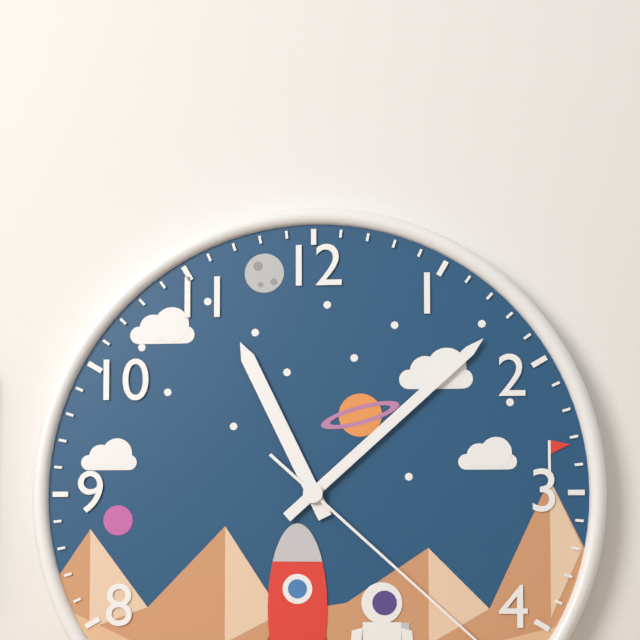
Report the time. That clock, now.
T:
11:08
